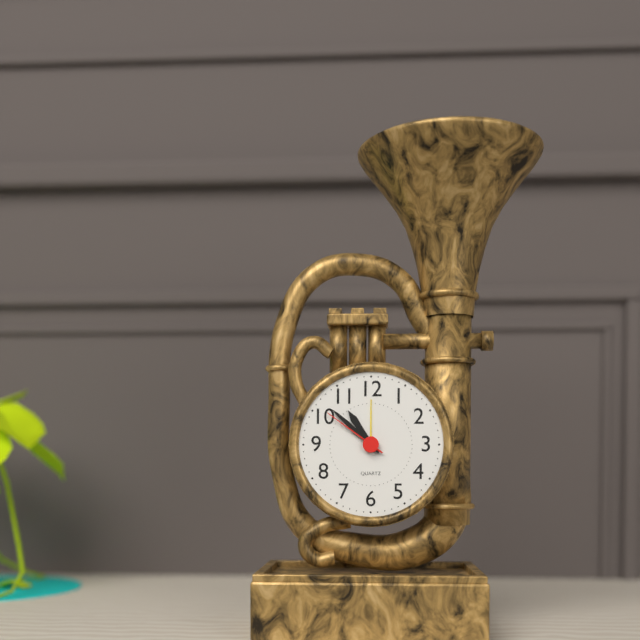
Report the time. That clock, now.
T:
10:52:51
